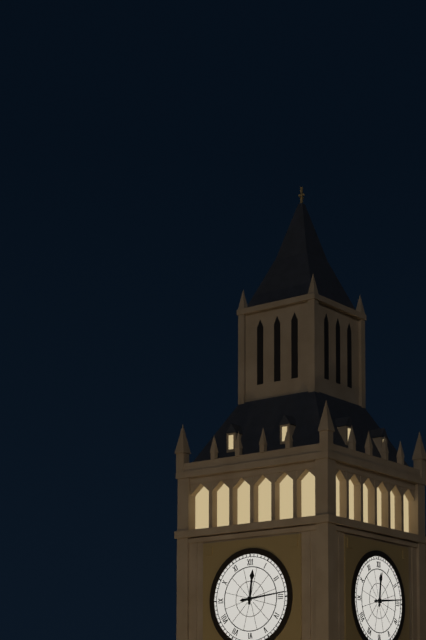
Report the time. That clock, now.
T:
12:14
